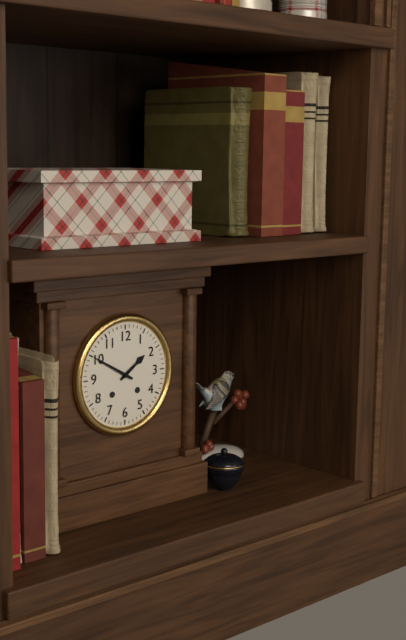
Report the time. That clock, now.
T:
1:50
